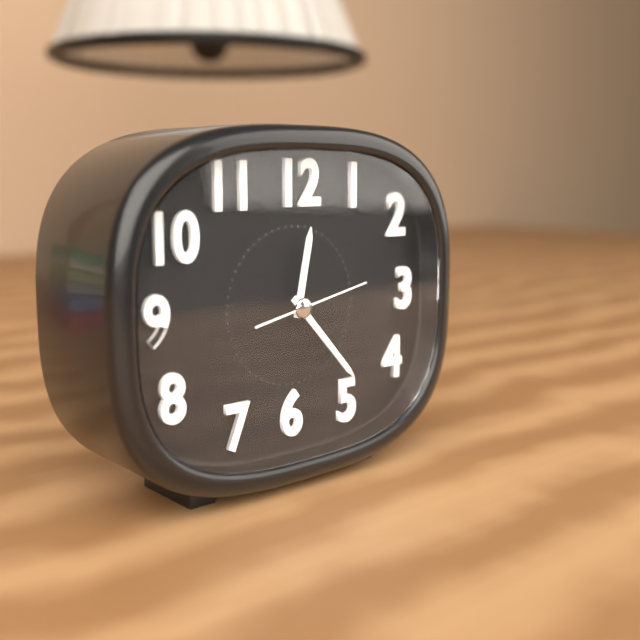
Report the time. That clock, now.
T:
12:23:13
